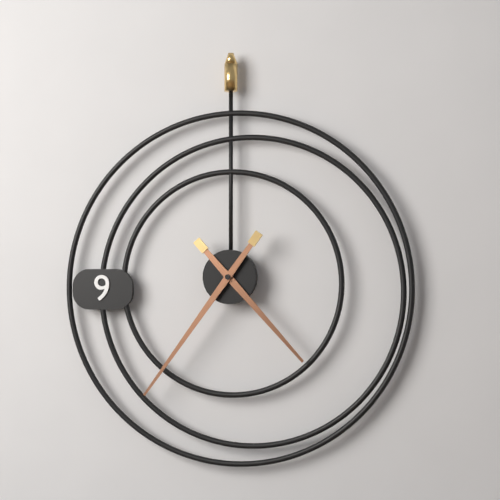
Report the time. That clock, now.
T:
4:36
